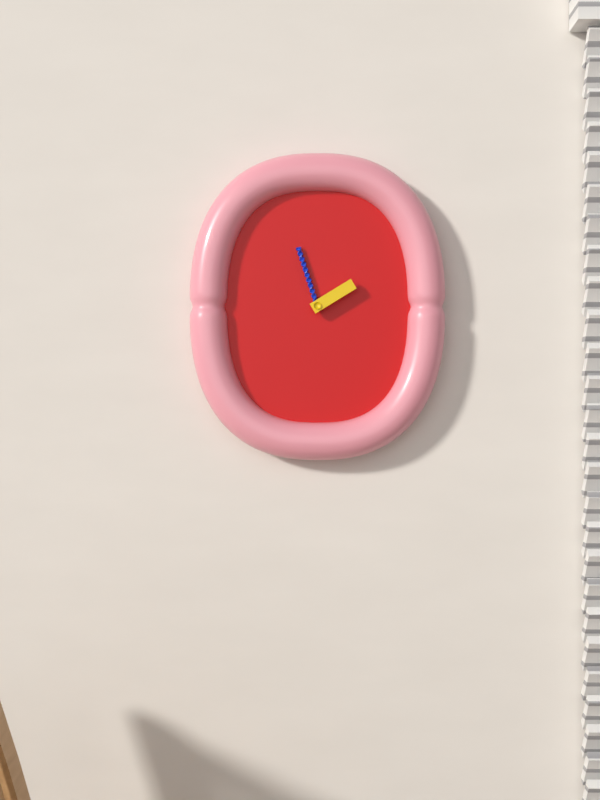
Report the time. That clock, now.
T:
1:57
